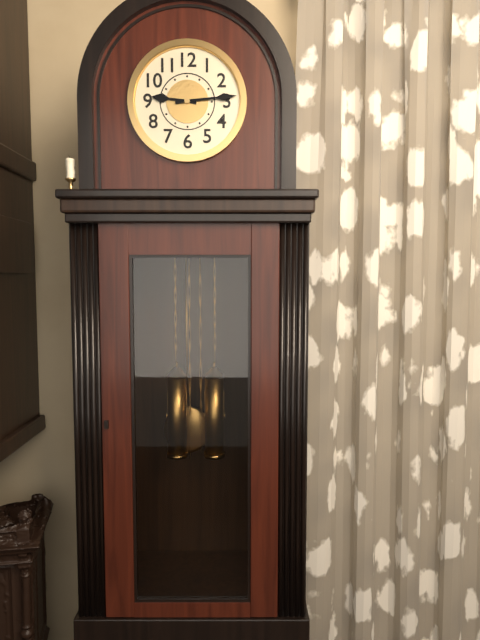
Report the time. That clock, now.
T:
9:14
